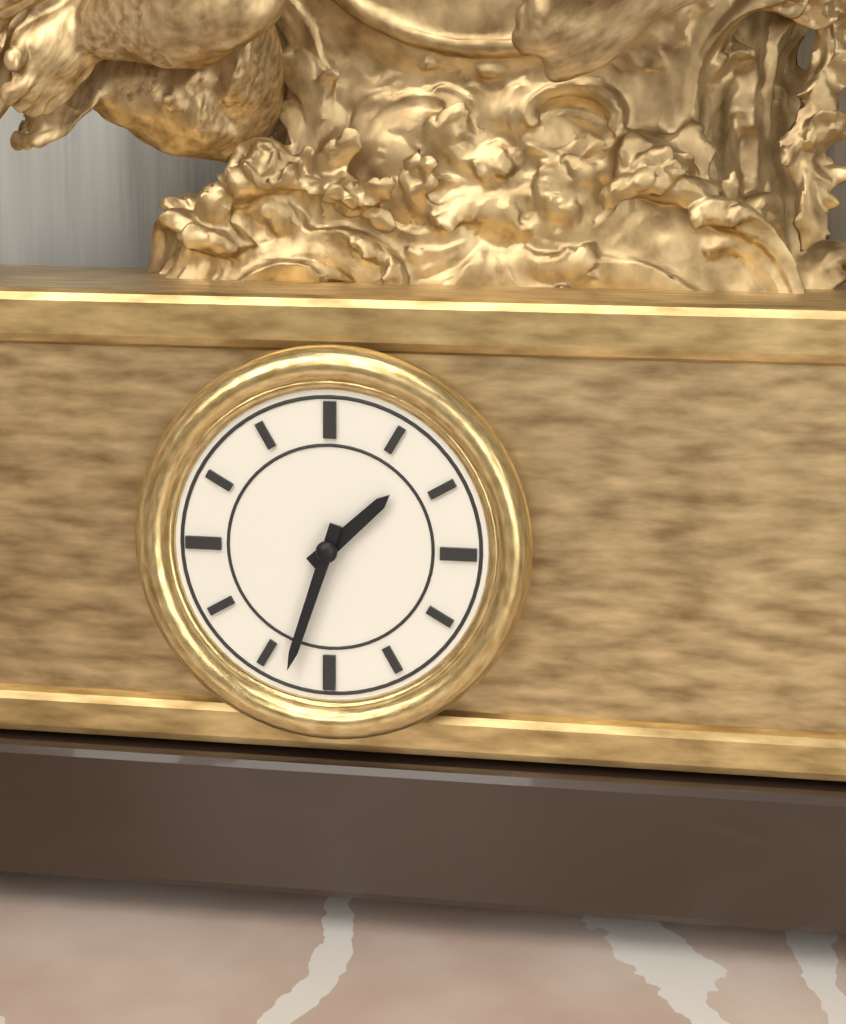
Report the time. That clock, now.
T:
1:33
